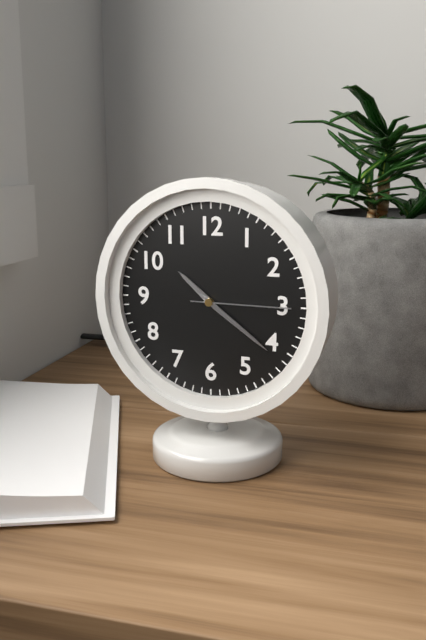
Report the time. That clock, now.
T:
10:21:15
